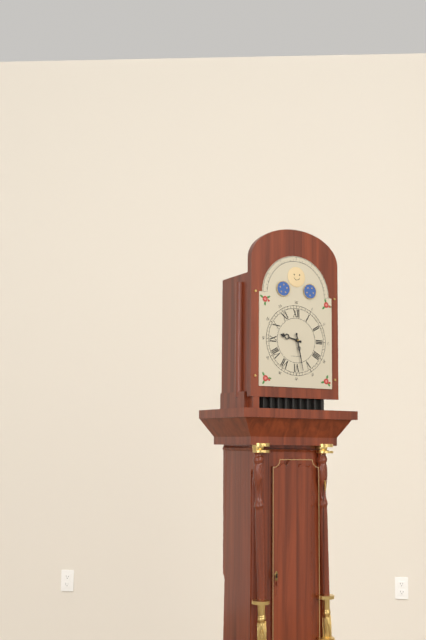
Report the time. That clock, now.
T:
9:28
